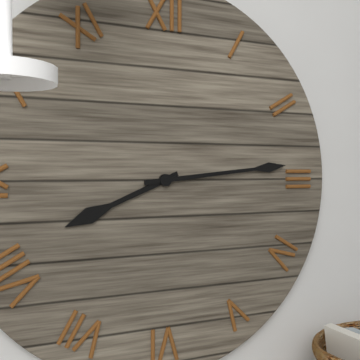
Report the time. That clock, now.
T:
8:14
